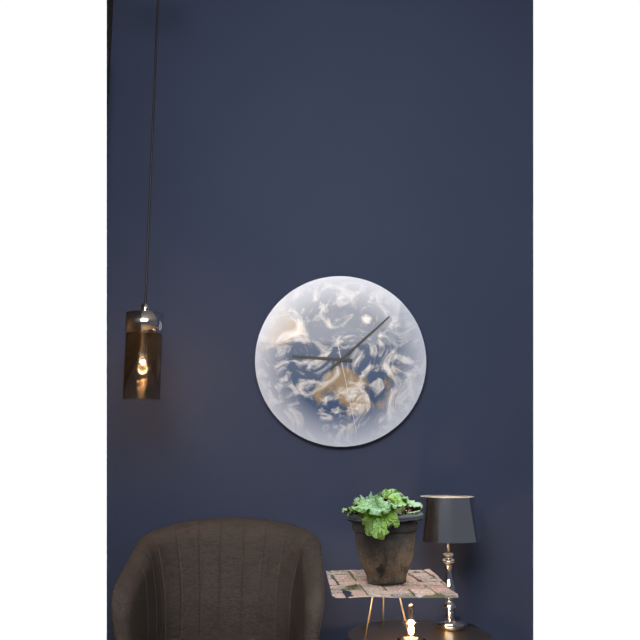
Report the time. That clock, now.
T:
9:08:28
